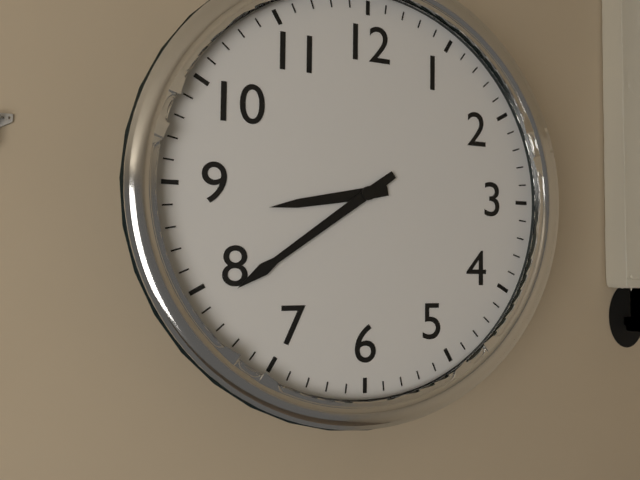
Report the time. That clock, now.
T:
8:39
